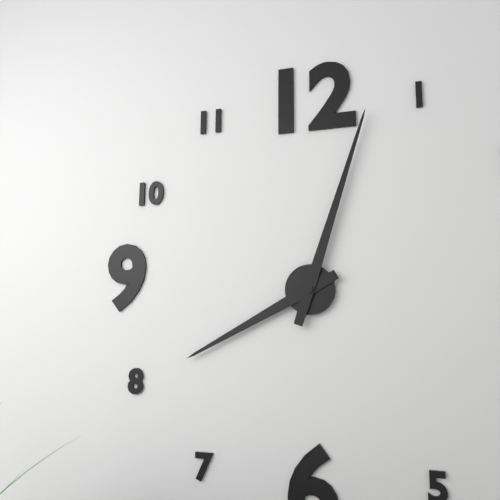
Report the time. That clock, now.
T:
8:03
